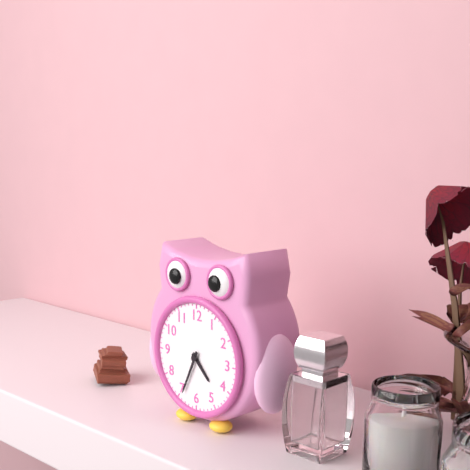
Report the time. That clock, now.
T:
4:34
